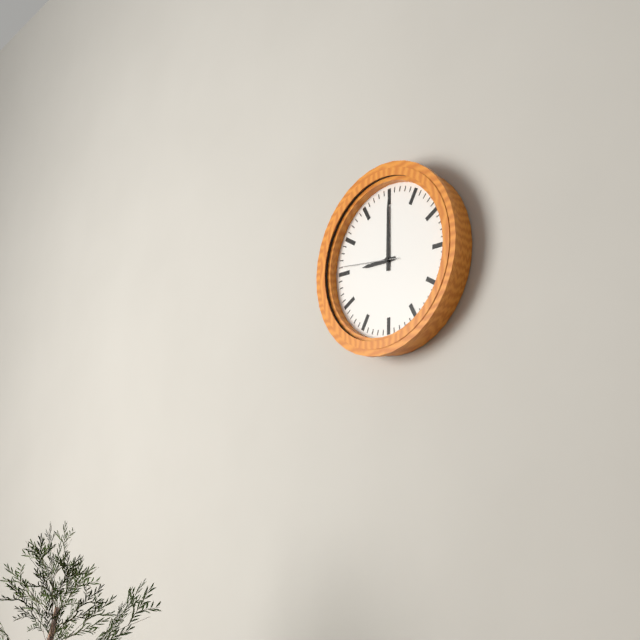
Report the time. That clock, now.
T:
9:00:46
